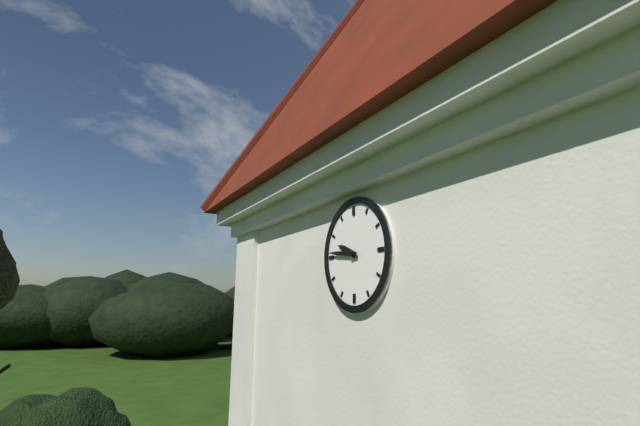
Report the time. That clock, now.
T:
9:46
